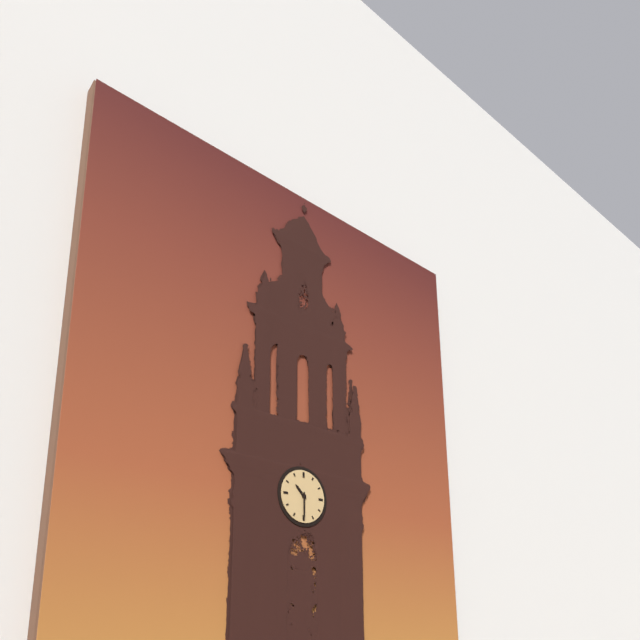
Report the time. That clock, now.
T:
10:30
